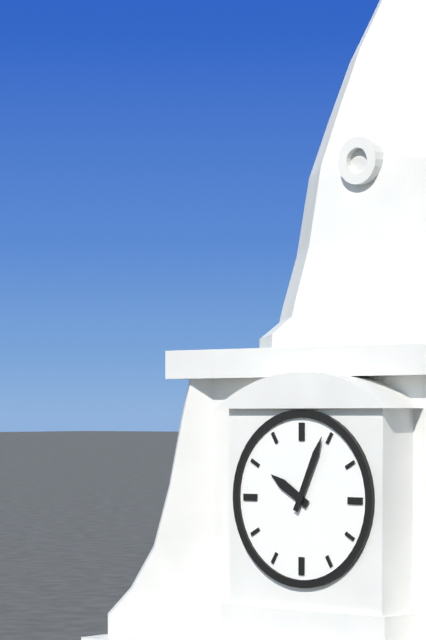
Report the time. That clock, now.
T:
10:04
